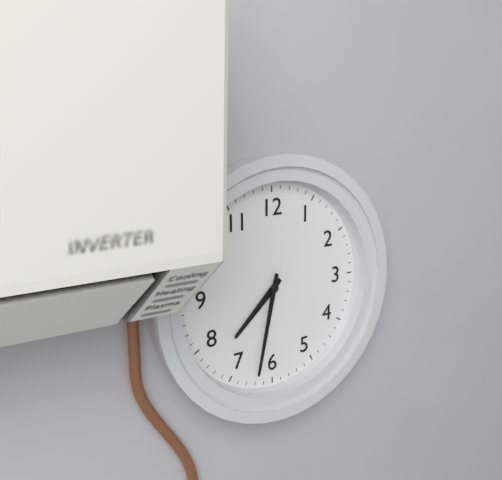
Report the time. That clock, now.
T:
7:32
